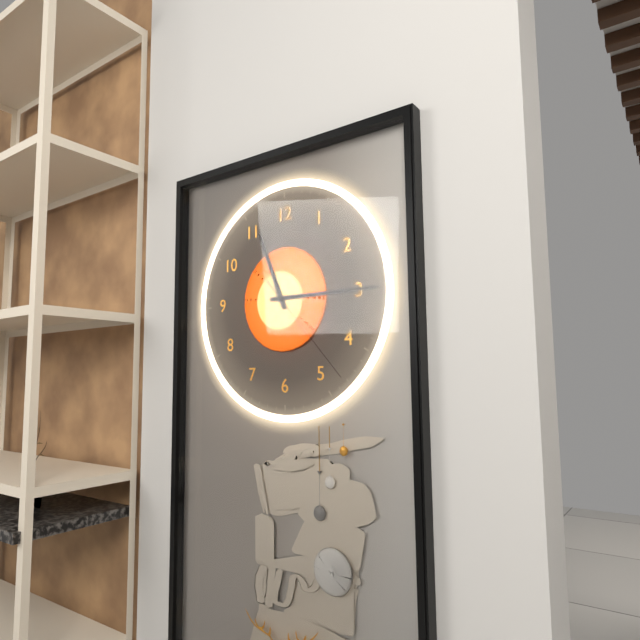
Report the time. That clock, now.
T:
11:15:23
